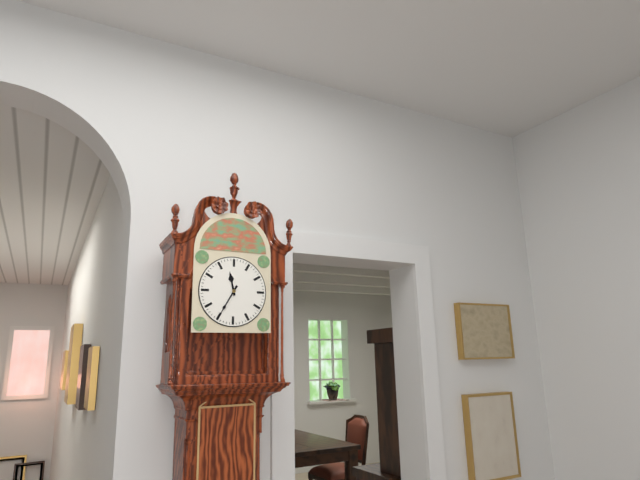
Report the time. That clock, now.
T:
11:35
